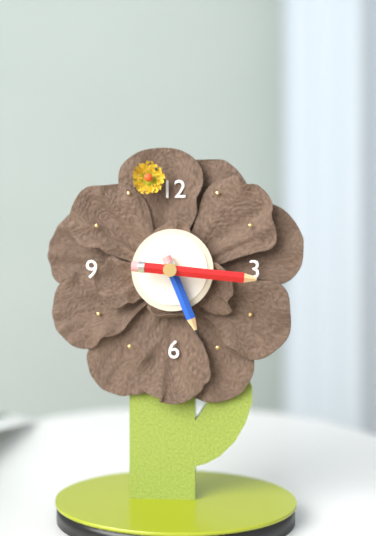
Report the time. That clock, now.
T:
5:16
